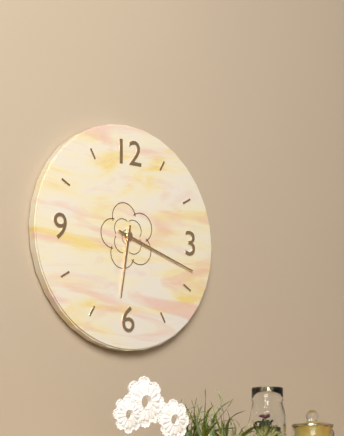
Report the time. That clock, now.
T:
6:18
